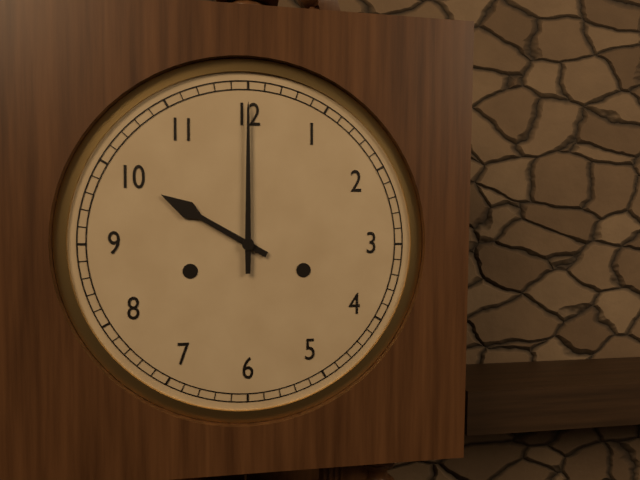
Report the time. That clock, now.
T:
10:00
